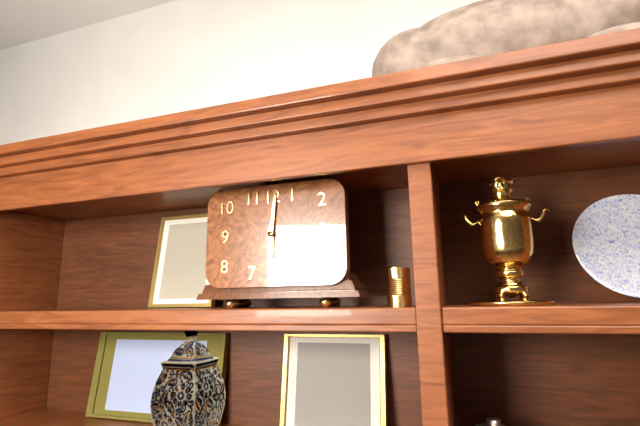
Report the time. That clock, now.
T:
6:01
